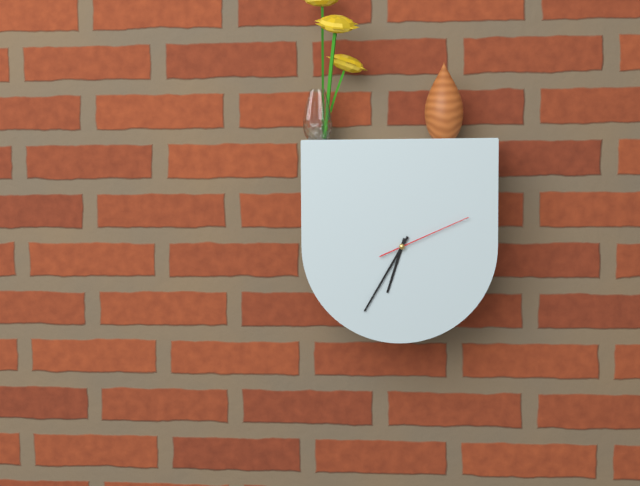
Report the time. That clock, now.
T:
6:35:11
